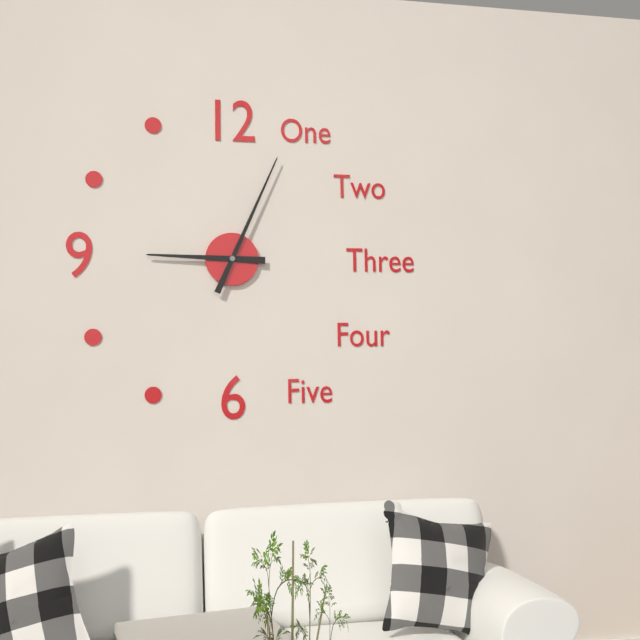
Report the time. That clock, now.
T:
9:04
